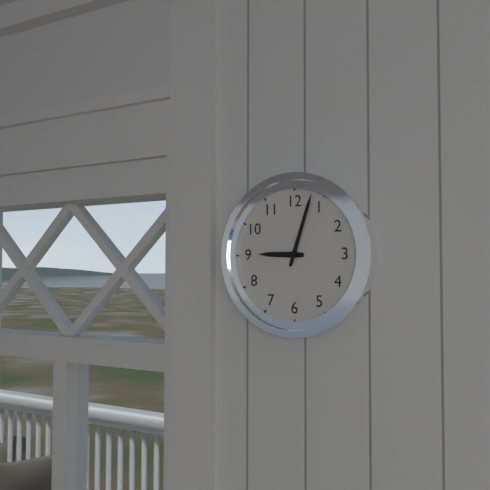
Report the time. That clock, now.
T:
9:03
